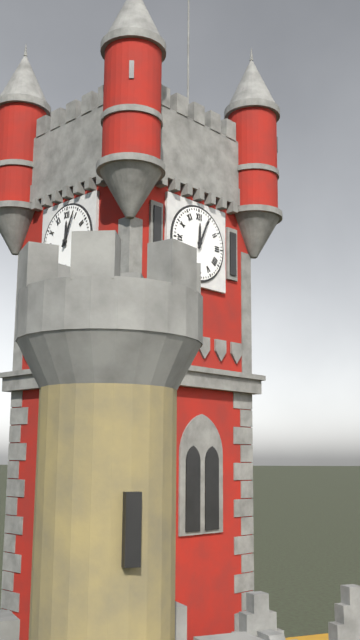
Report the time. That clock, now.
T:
12:04
